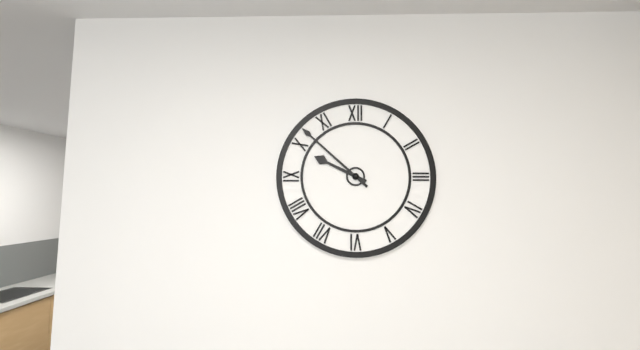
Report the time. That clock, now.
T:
9:52
